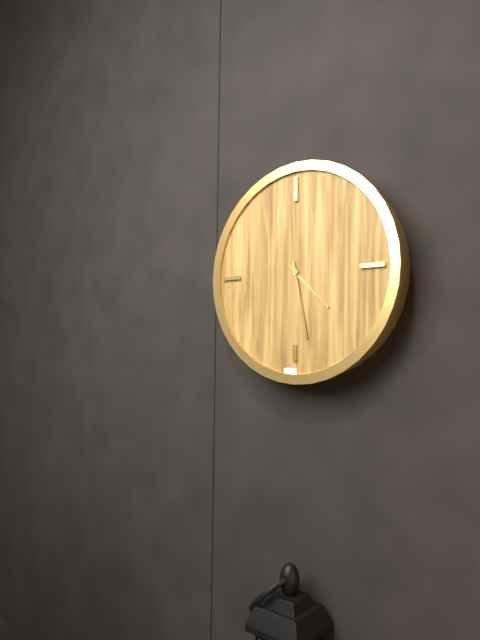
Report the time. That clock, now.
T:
4:28
